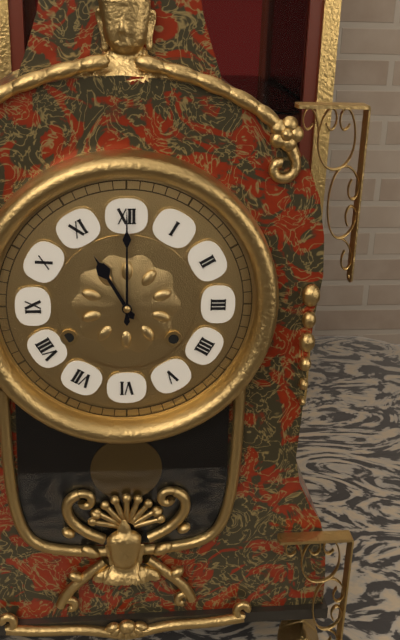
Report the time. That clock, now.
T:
11:00
